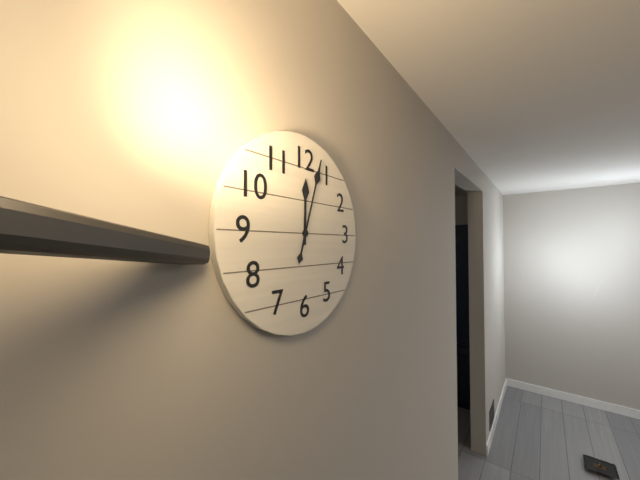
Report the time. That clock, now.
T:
12:03
